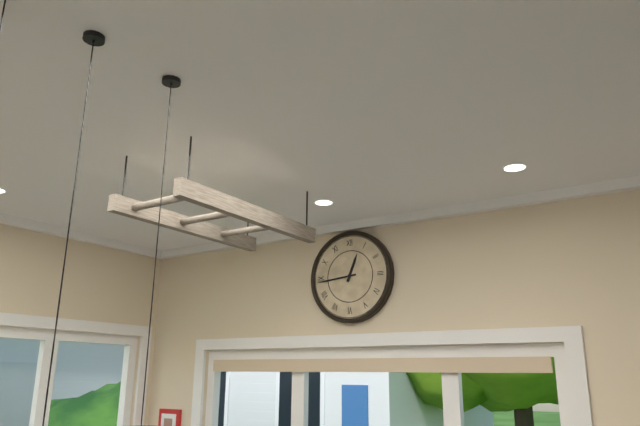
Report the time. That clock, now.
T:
12:44
